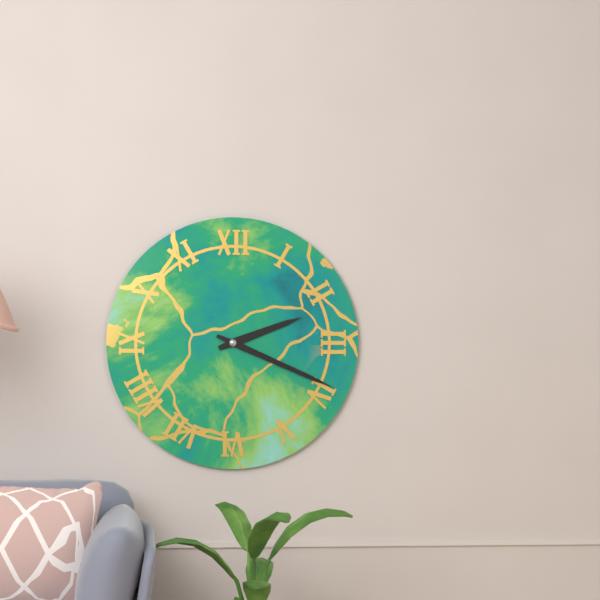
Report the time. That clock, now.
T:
2:19
